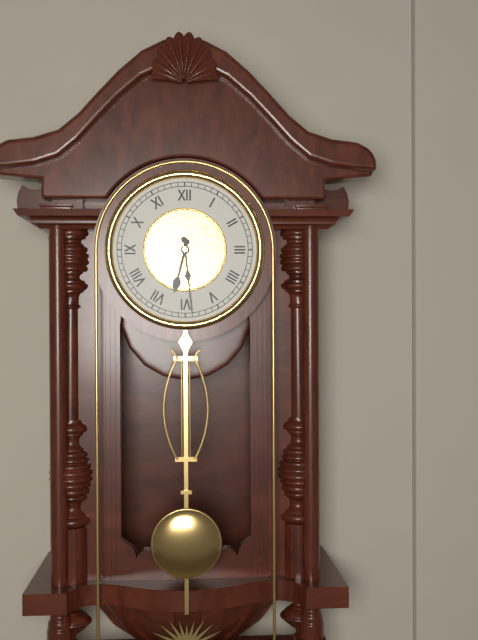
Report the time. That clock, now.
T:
6:29
